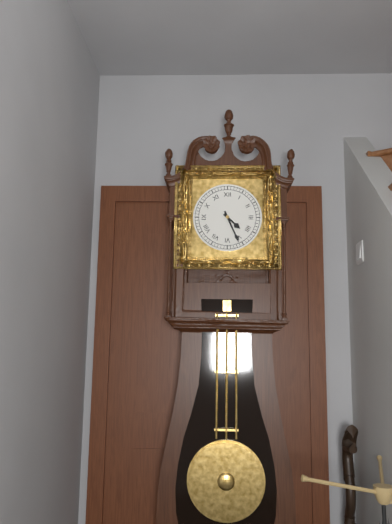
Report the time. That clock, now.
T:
4:26
